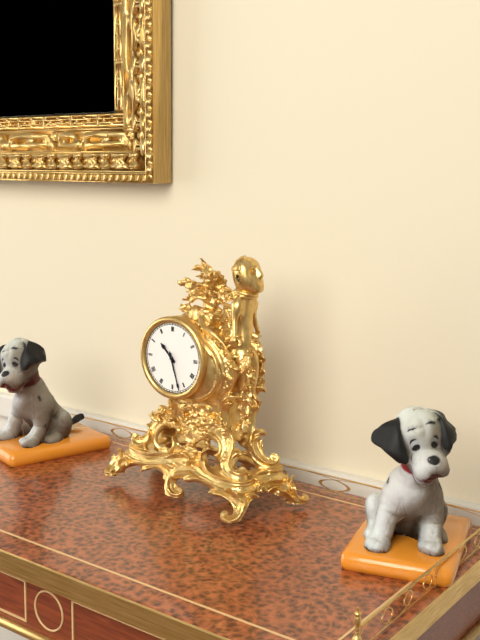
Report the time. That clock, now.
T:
10:27
